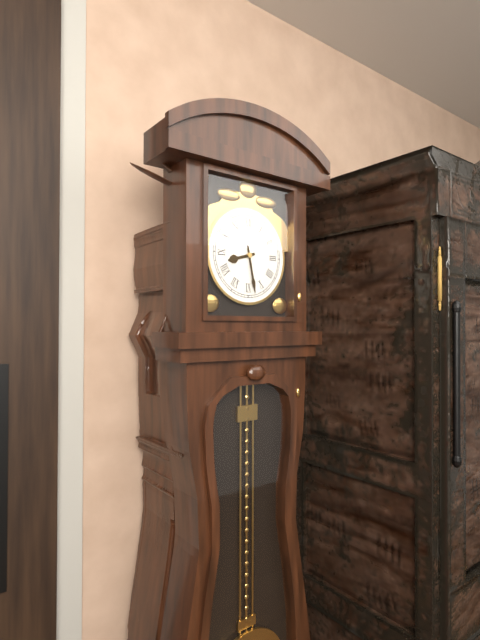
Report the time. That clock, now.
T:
8:28
